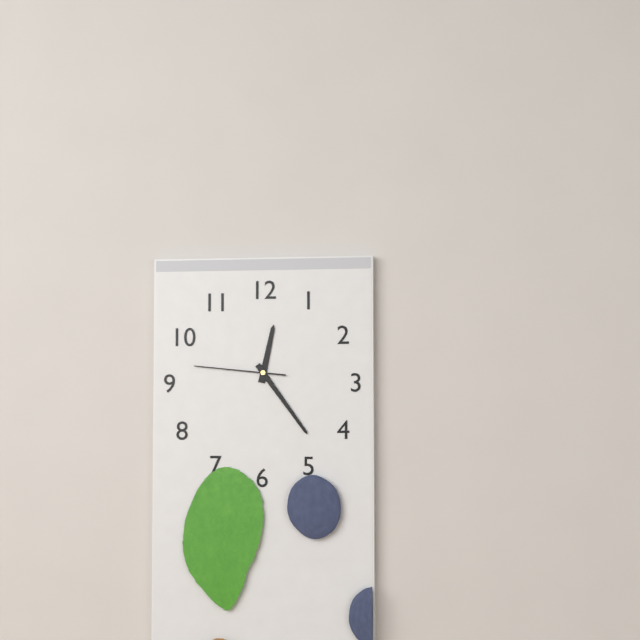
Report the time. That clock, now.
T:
12:24:46
